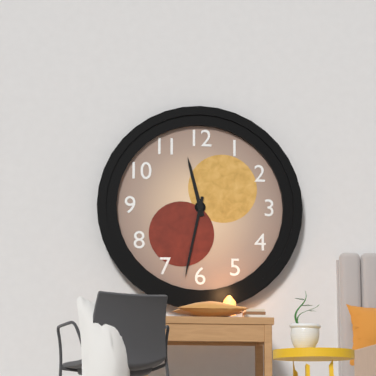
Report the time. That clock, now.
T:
11:32
